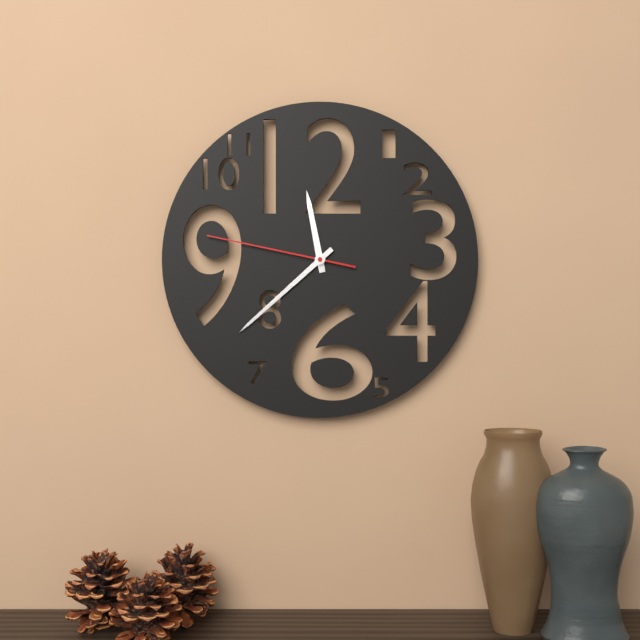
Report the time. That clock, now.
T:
11:38:47
